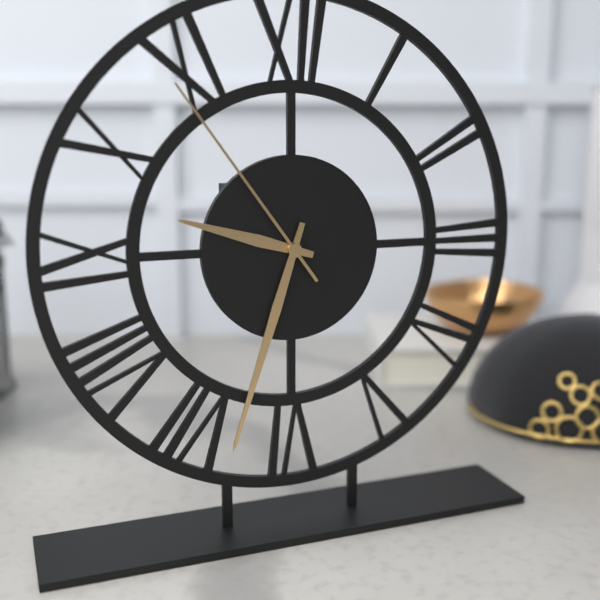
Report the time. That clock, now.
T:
9:33:54
